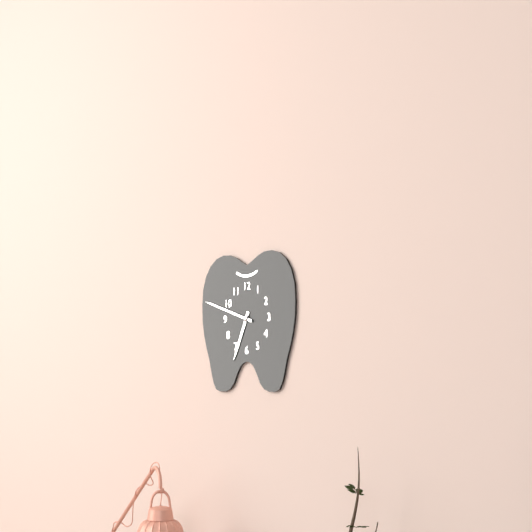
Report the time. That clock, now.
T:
6:48
